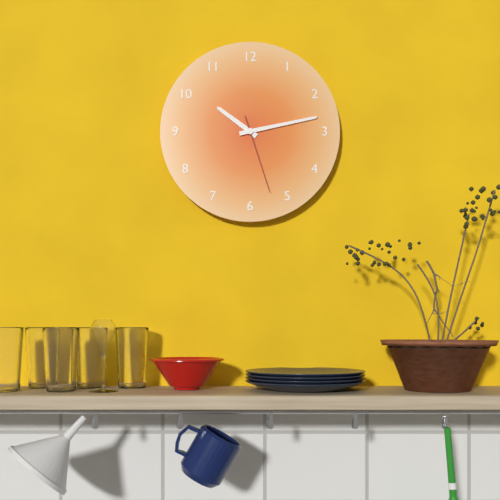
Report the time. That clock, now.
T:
10:13:27
